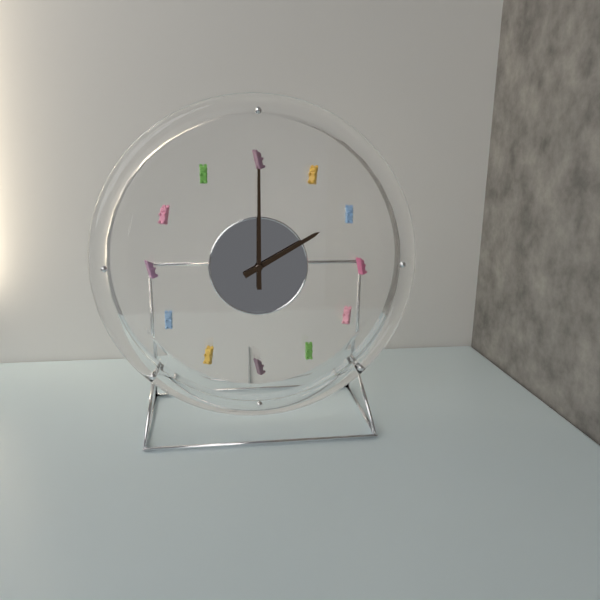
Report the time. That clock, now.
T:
2:00
